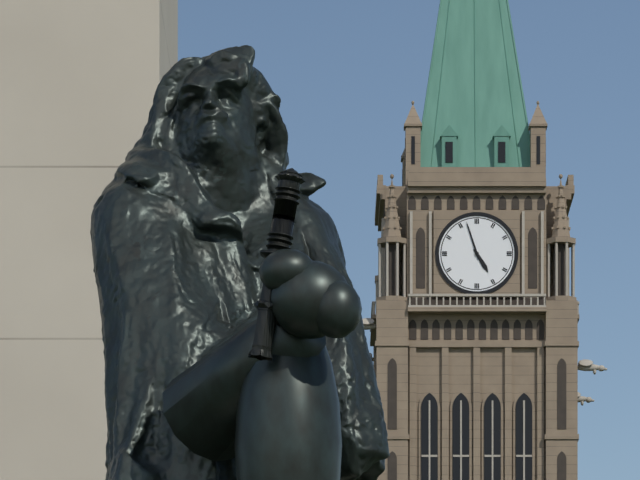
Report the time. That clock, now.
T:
4:57
